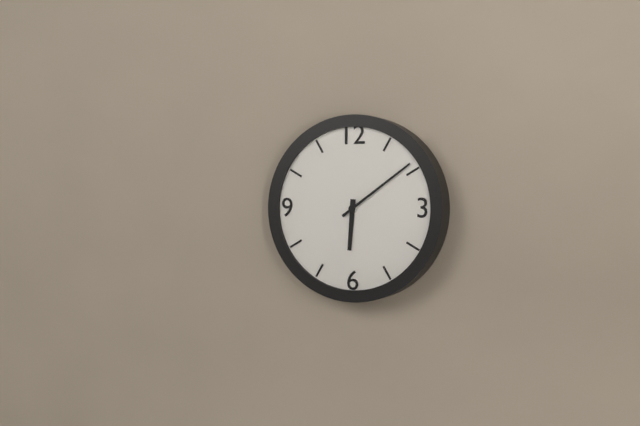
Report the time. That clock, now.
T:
6:09
